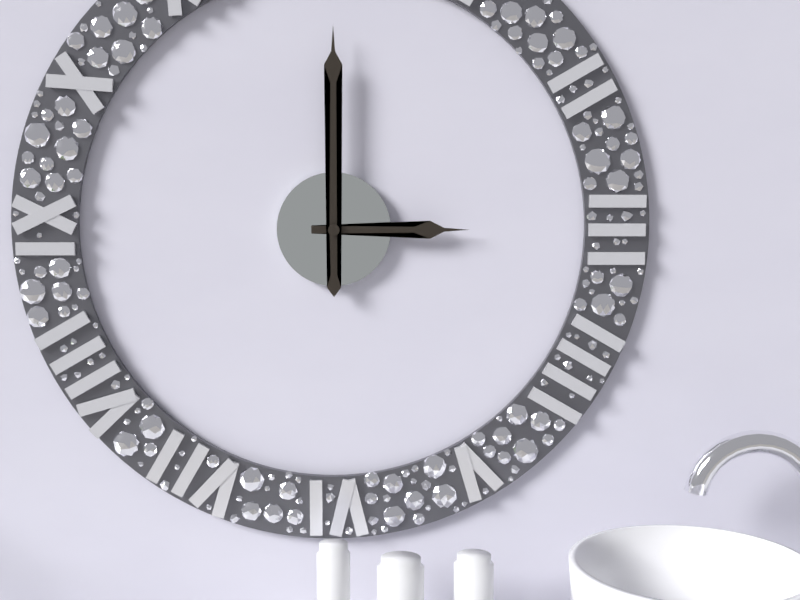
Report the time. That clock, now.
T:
3:00
